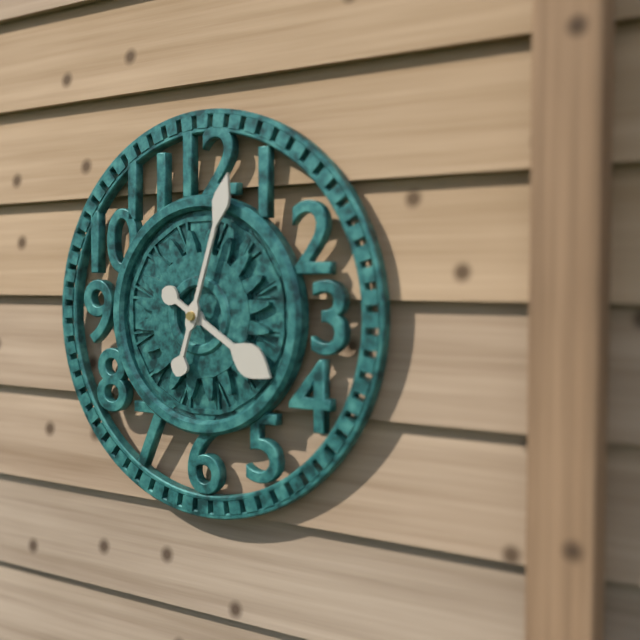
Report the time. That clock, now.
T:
4:03
